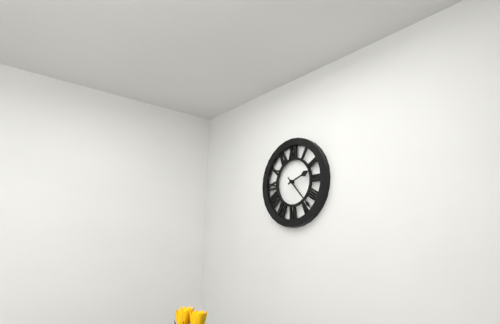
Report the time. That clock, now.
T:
2:23
